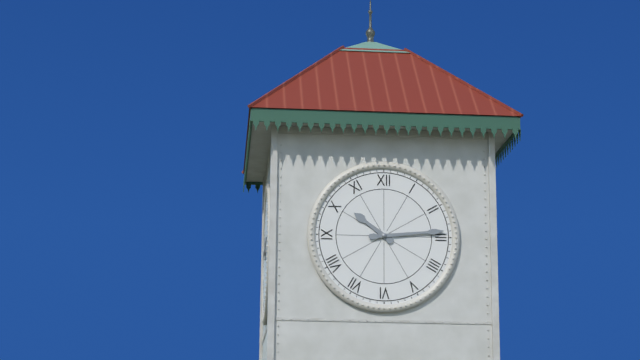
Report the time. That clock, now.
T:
10:14
